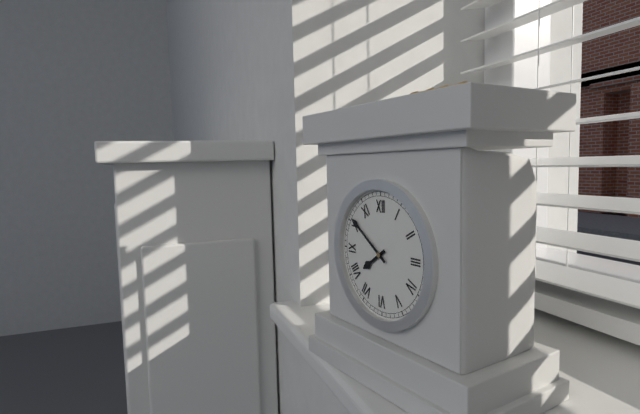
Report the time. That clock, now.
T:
7:51
